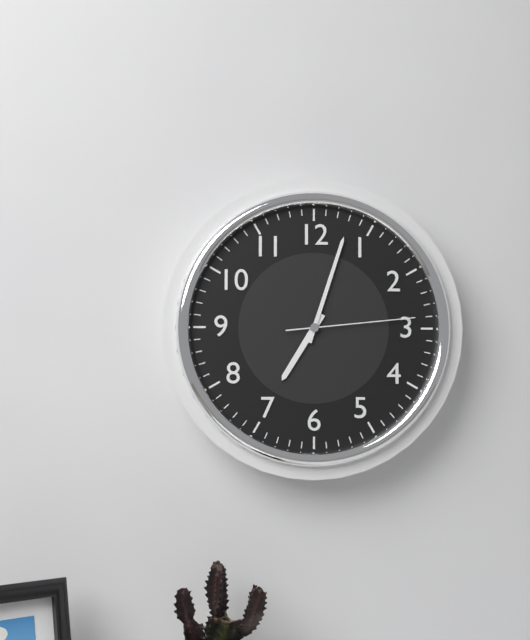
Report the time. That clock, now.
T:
7:03:14
